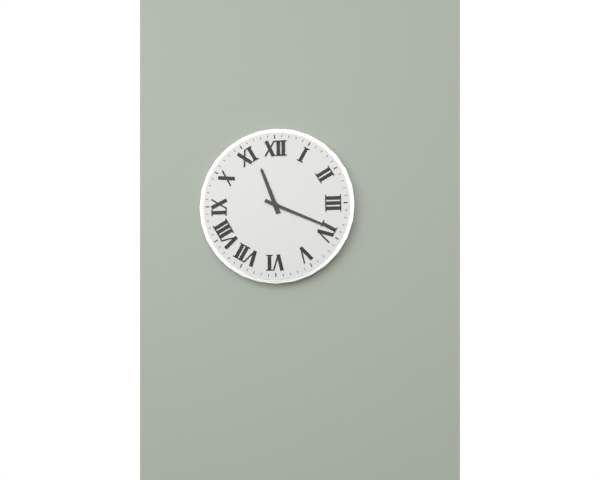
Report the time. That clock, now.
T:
11:19
